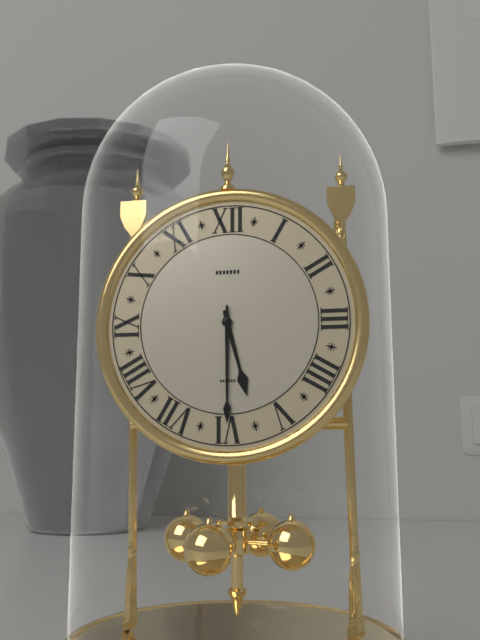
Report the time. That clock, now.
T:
5:30
